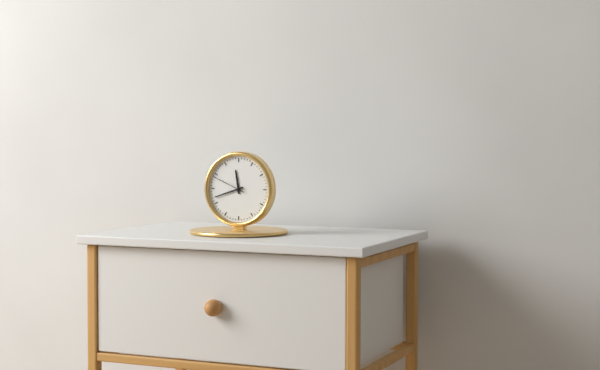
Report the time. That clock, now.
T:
11:42
